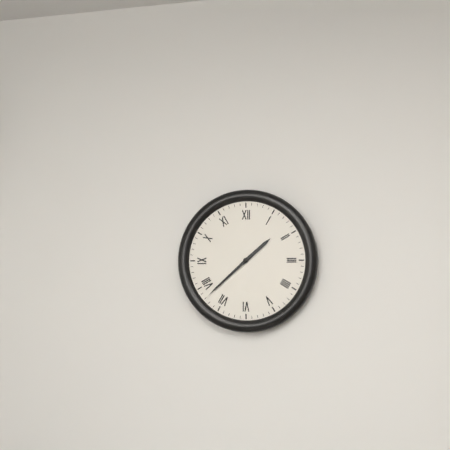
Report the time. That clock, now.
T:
1:38
